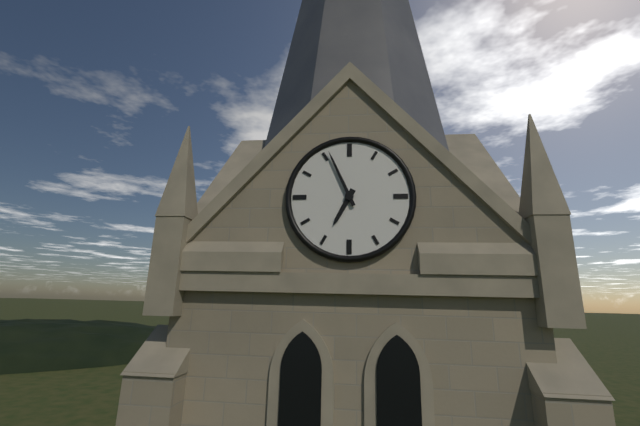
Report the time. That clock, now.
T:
6:56
